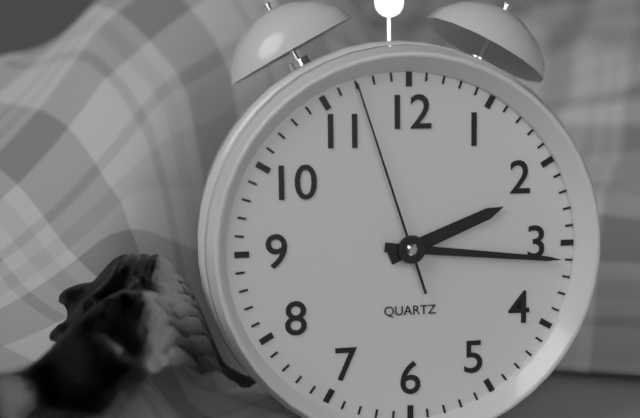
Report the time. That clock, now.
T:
2:16:57
